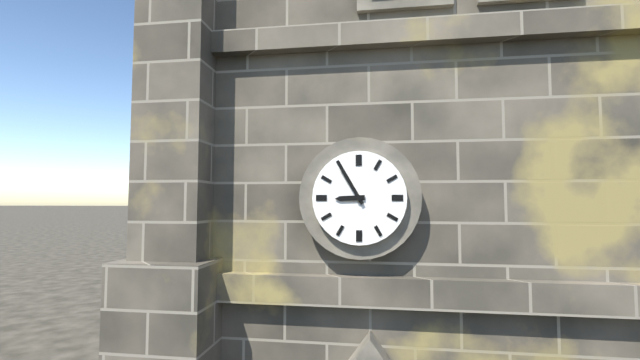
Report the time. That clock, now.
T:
8:55
